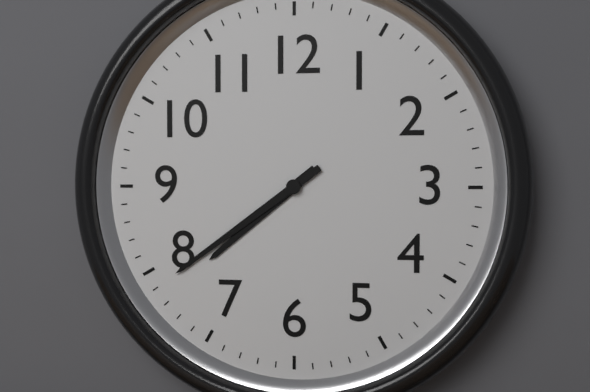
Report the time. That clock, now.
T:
7:39
